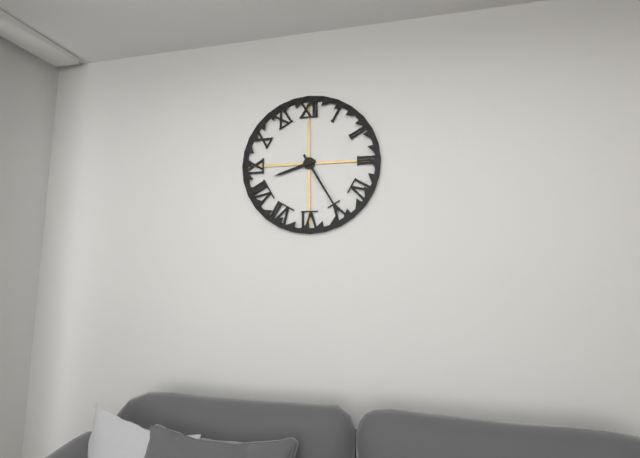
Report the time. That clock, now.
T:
8:25
